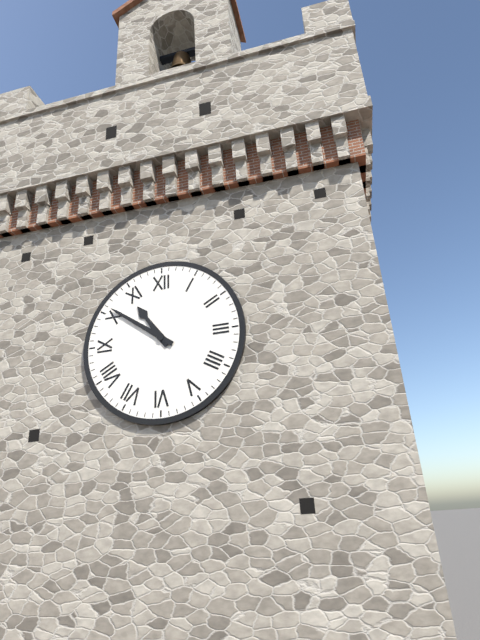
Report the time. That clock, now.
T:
10:51
